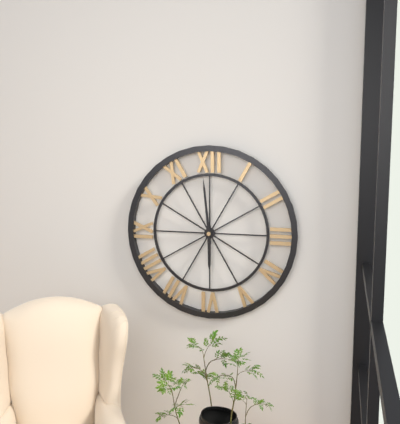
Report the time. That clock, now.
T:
5:59
